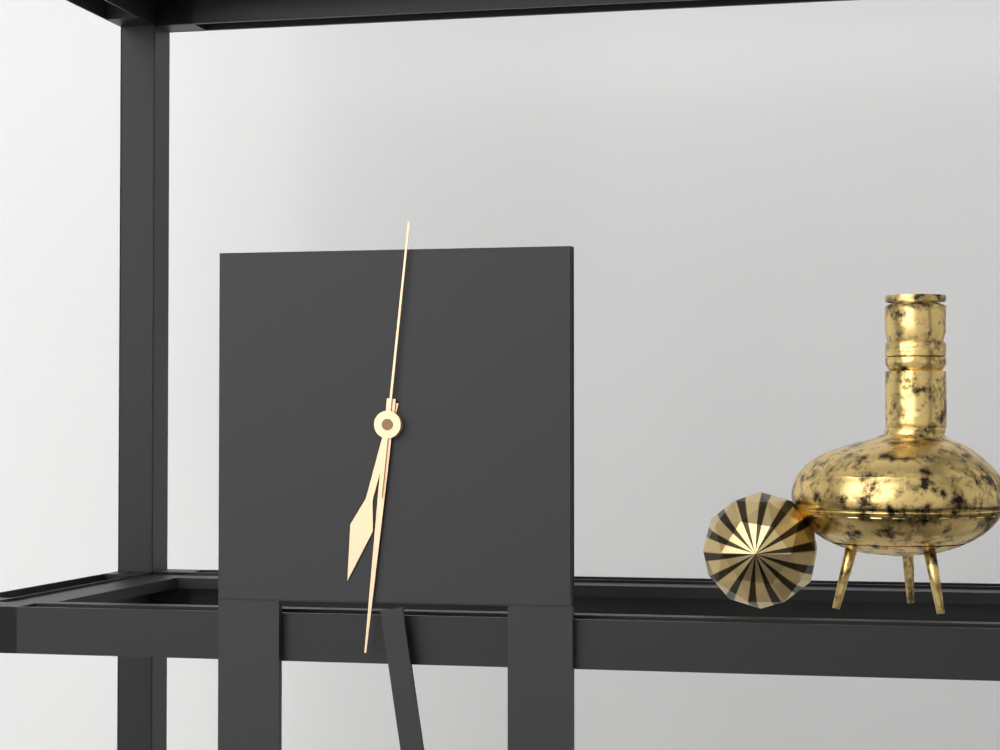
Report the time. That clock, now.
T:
6:31:01
